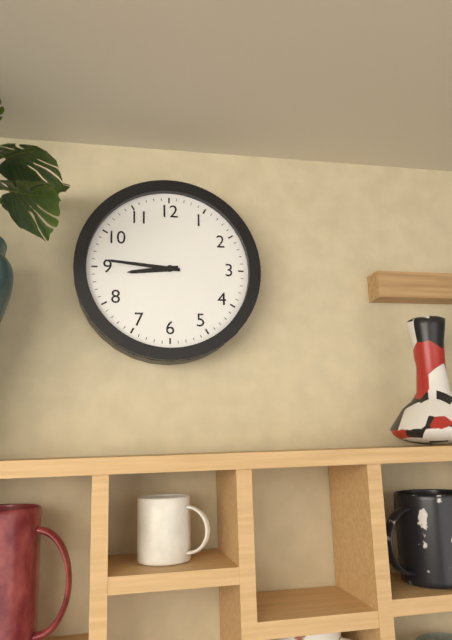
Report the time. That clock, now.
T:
8:46
